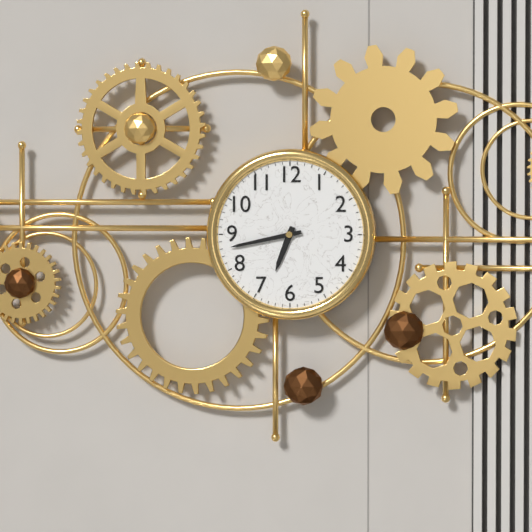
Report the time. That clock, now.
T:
6:43
